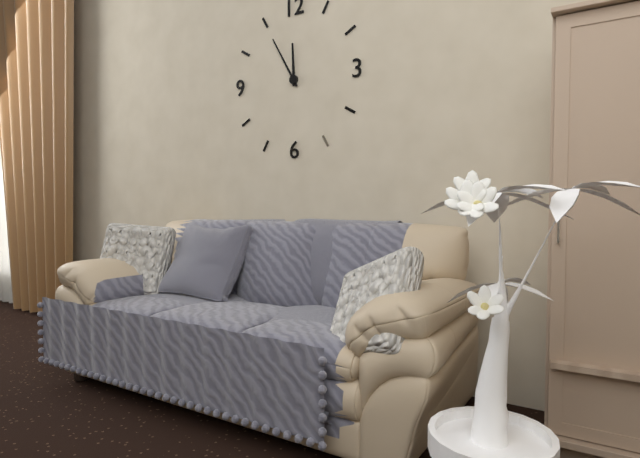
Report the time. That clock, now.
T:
11:55
